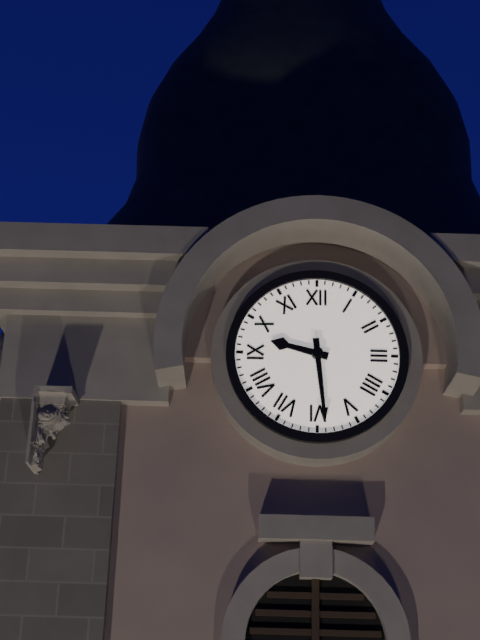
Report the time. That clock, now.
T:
9:29
